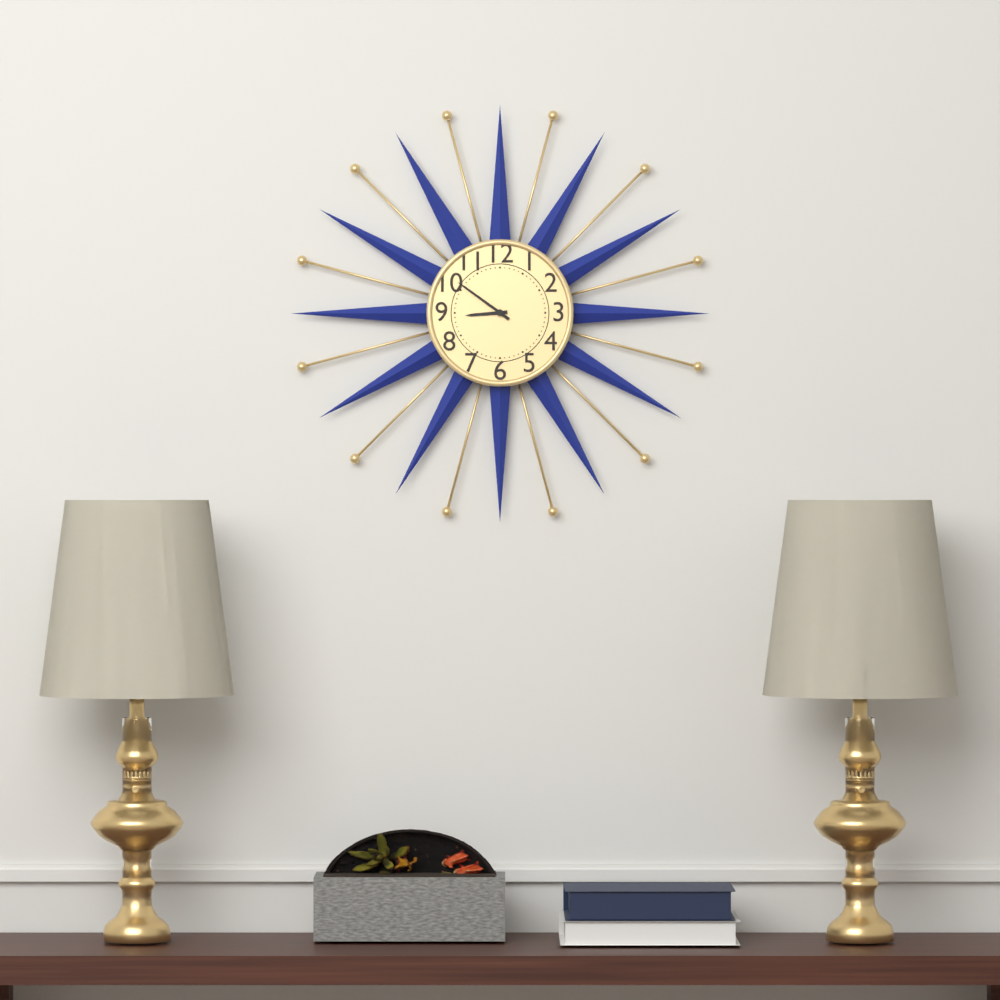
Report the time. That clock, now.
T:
8:51
